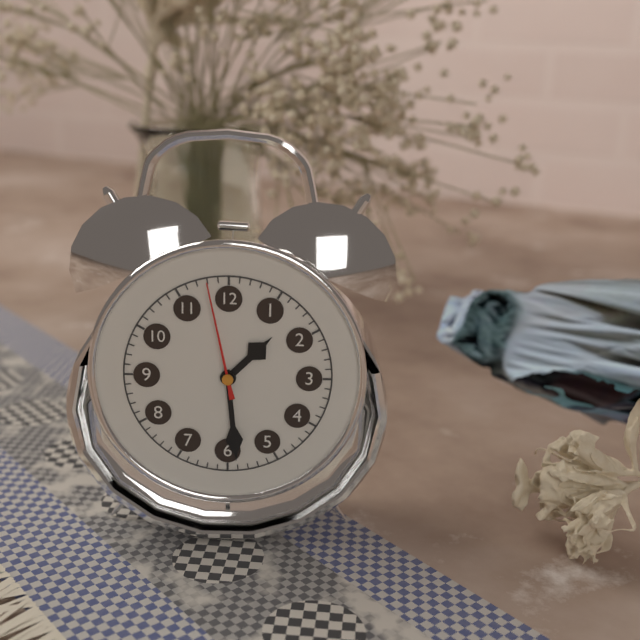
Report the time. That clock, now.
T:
1:29:58
